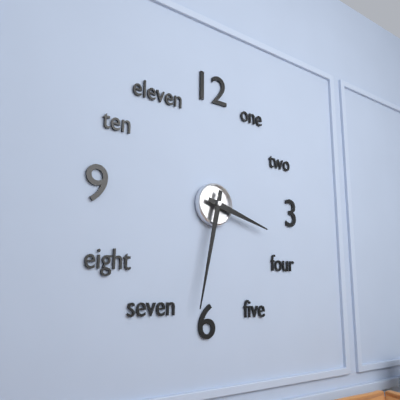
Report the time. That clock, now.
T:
3:32
